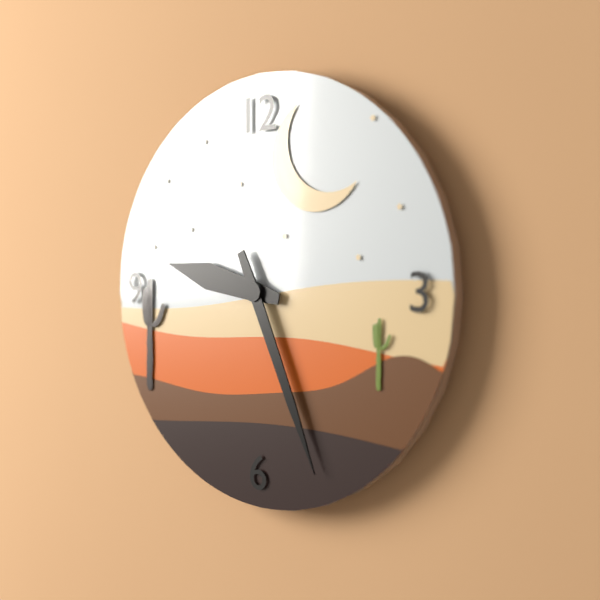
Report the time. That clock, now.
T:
9:26
